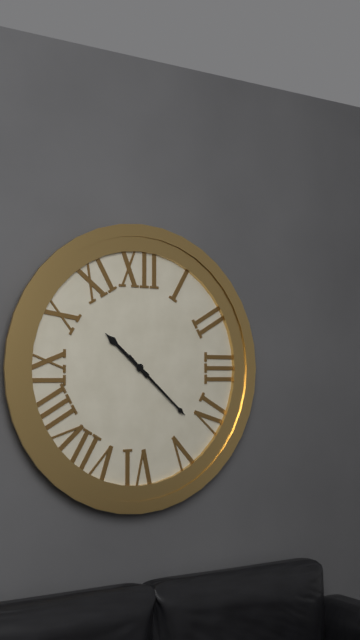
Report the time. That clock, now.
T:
10:22
